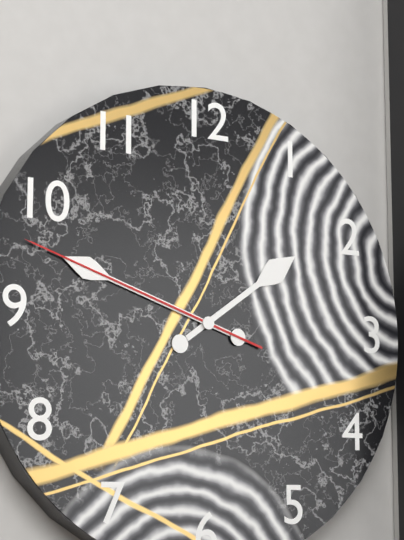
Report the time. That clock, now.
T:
1:48:48
